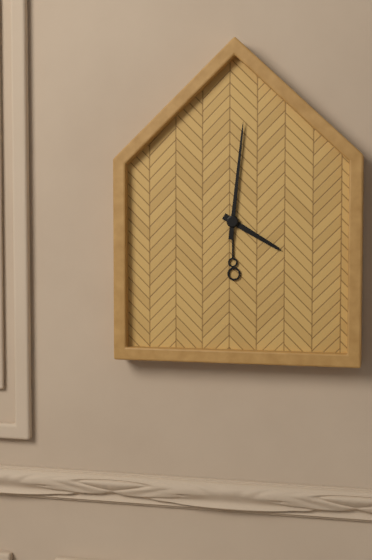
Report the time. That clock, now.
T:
4:01
